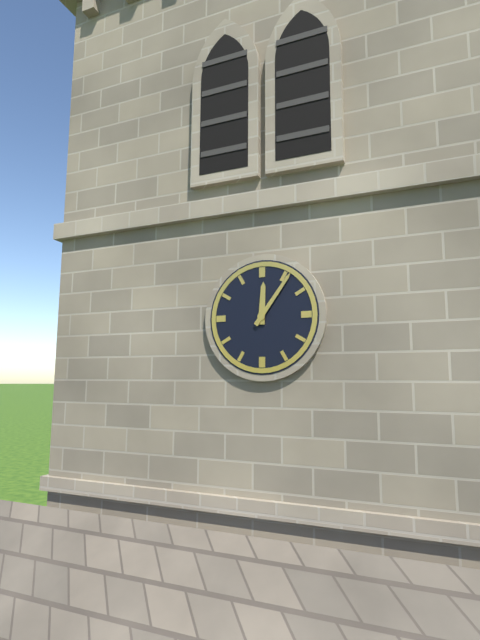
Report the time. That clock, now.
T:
12:06
